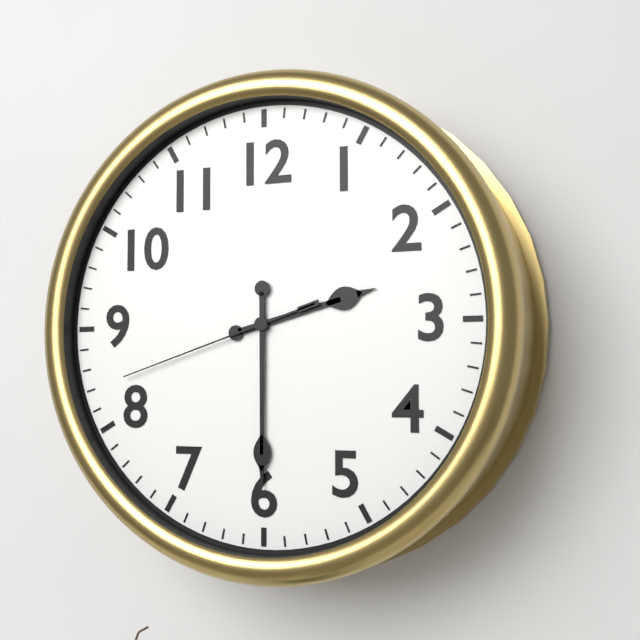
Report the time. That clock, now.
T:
2:30:42
